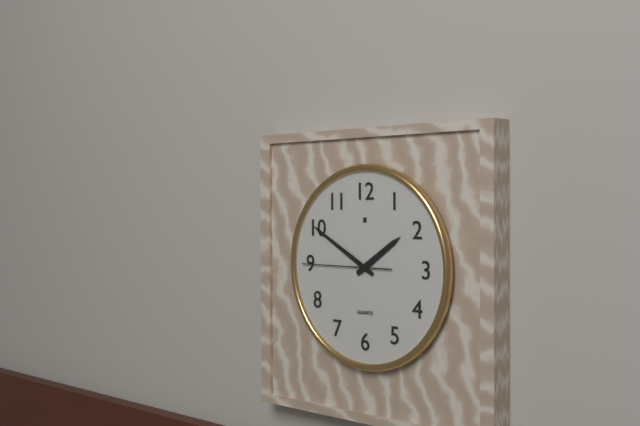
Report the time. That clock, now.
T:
1:50:45
